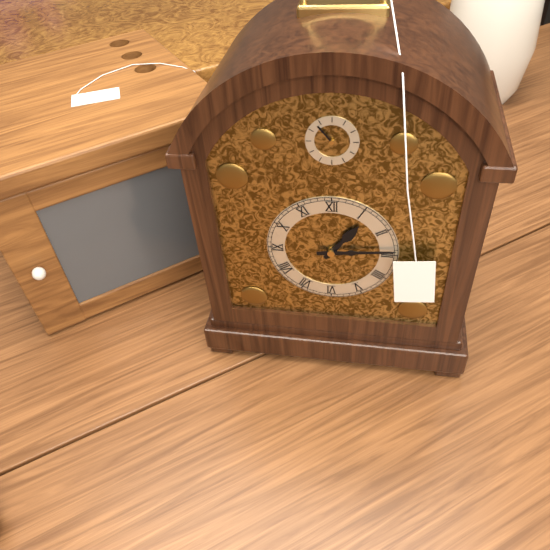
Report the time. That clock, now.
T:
1:14
